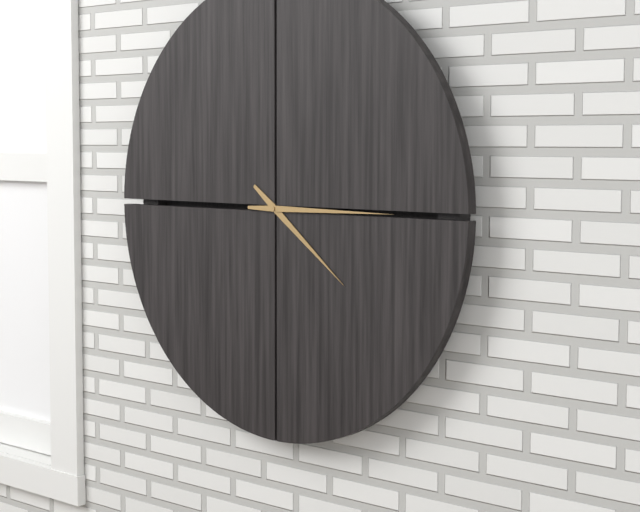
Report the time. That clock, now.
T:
4:15
